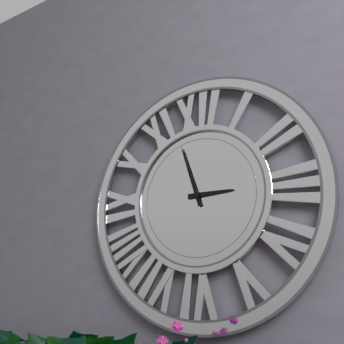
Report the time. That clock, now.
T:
2:57
